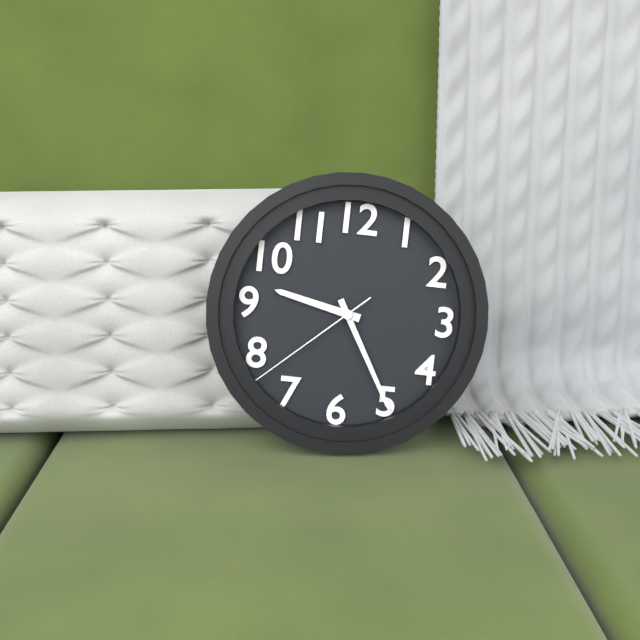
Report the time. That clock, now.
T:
9:25:38
